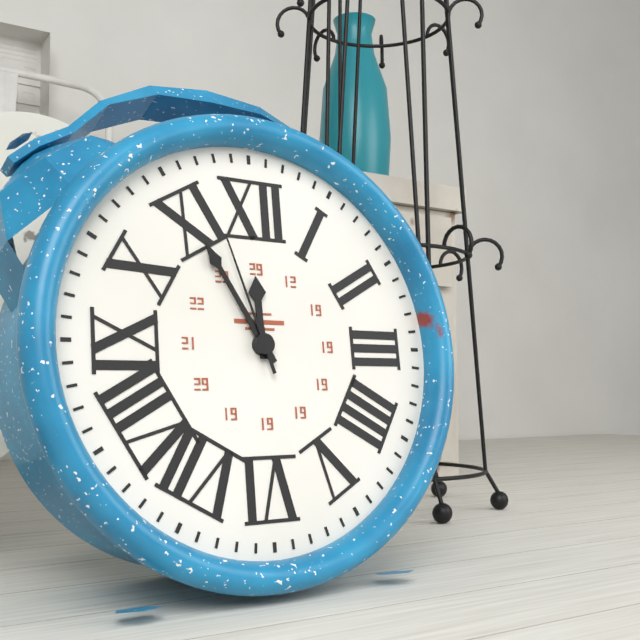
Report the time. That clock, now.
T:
11:55:57
